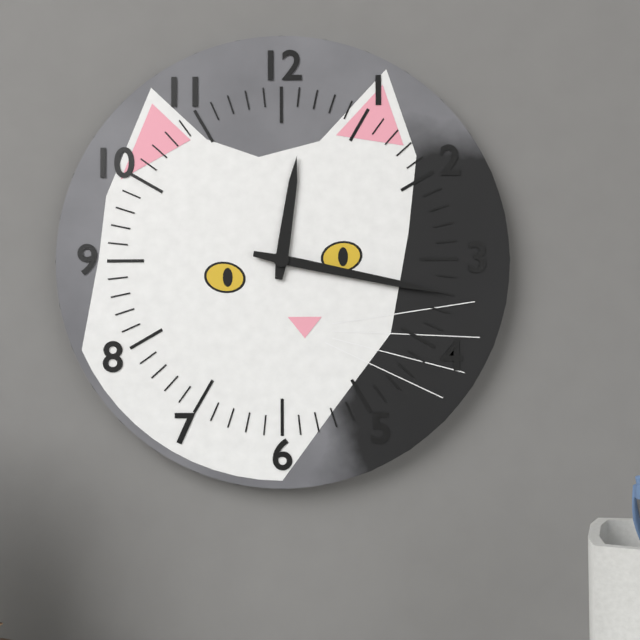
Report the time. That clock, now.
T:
12:17
